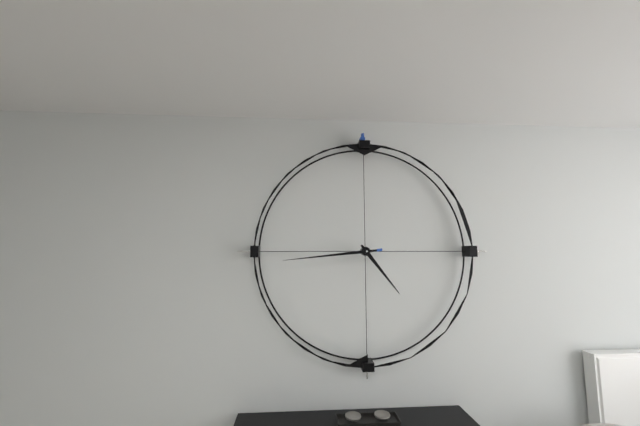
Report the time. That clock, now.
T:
4:44
